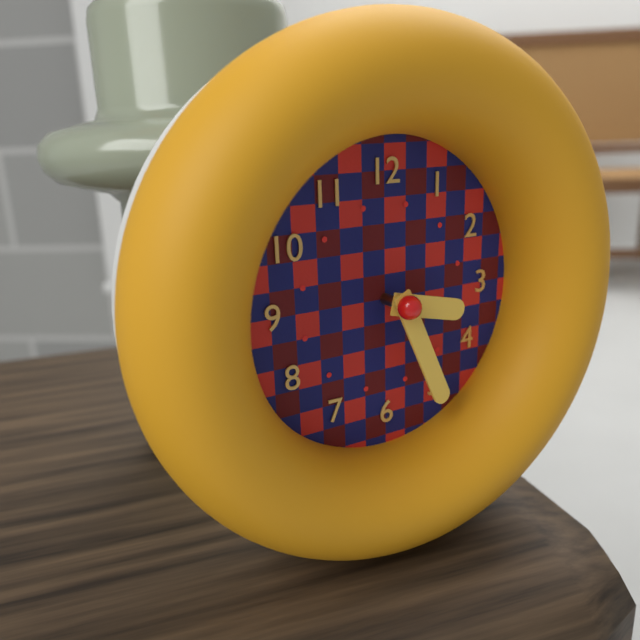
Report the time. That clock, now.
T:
3:26
